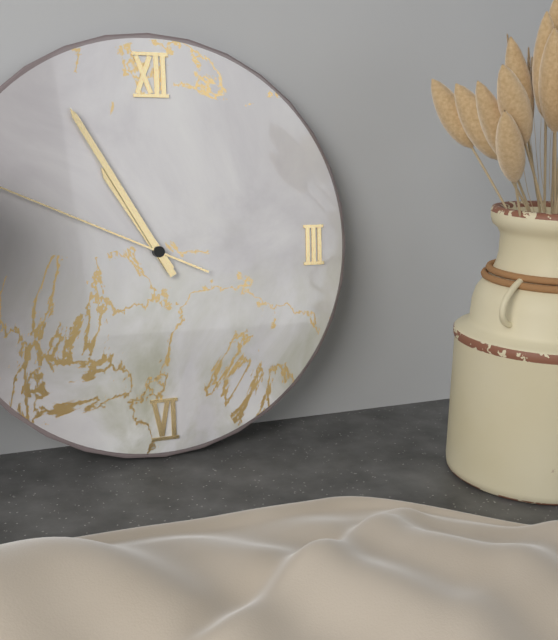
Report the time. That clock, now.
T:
10:55
